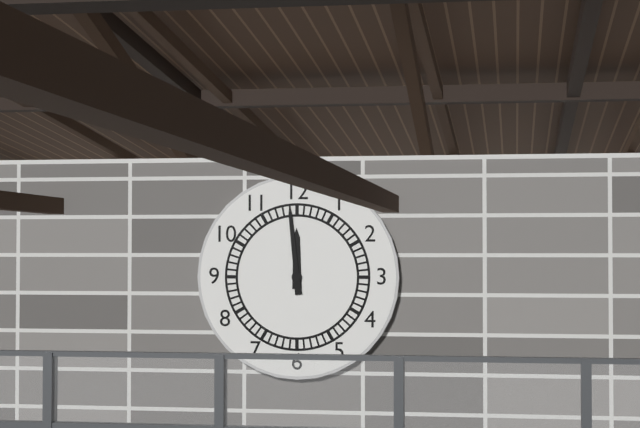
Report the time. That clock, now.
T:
11:59
